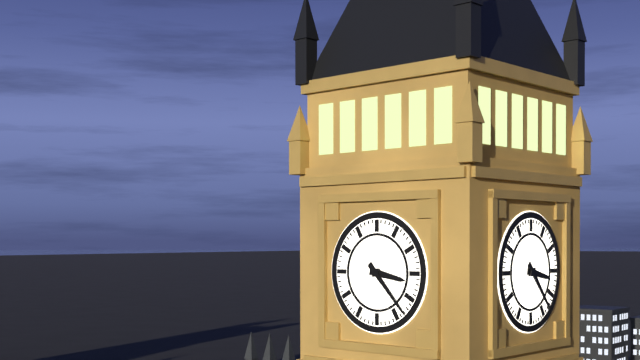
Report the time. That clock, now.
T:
3:23
